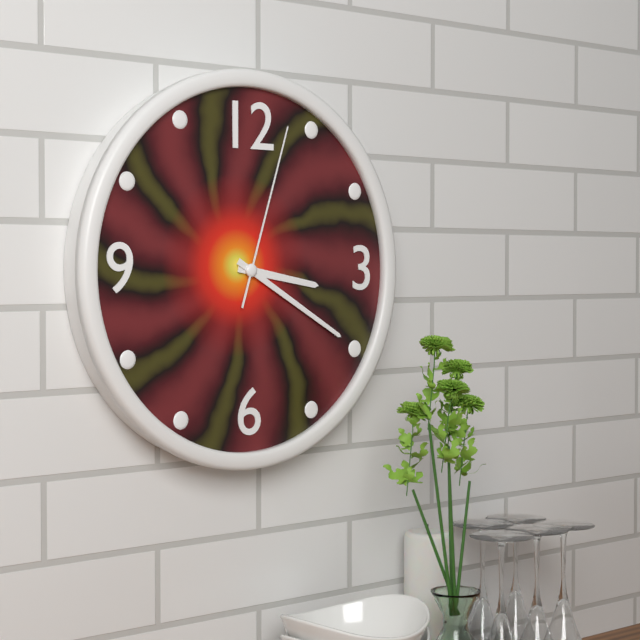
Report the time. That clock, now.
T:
3:20:03
